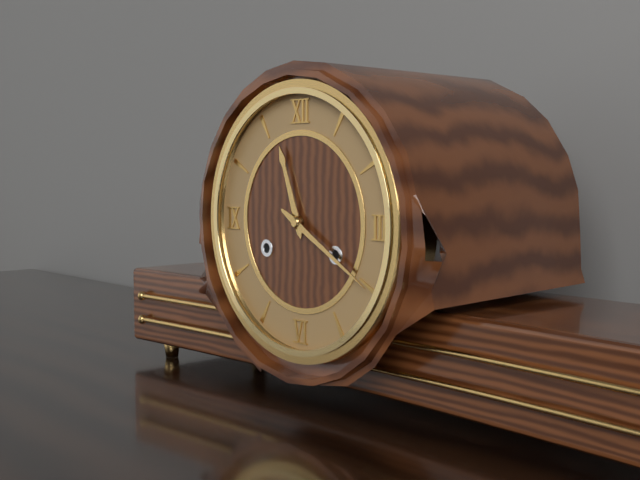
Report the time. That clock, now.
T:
11:20
